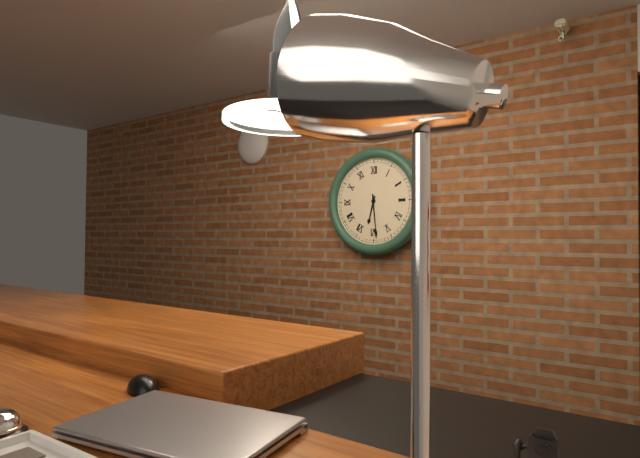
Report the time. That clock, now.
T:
6:29
